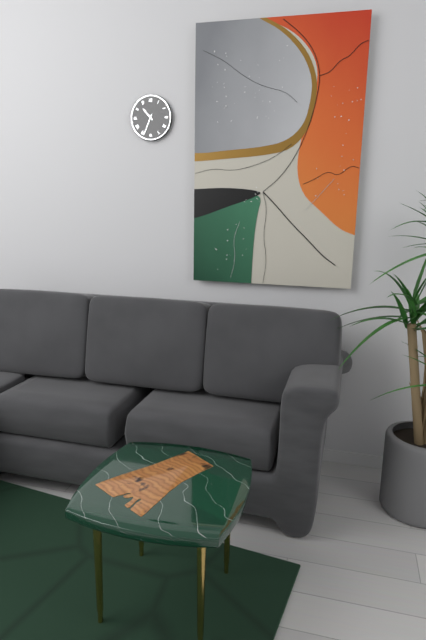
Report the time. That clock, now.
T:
10:34
